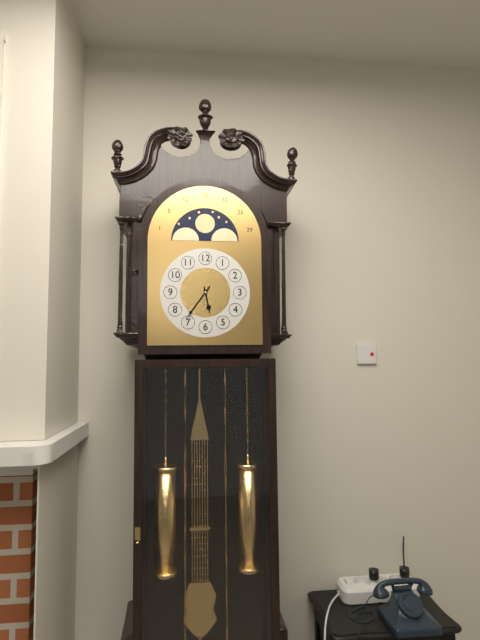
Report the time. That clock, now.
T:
5:36
